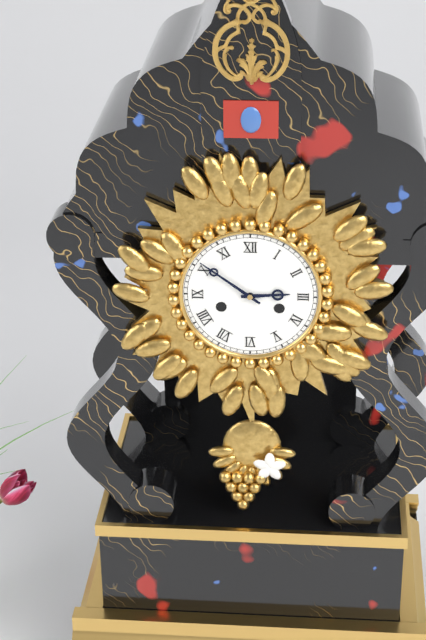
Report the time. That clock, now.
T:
2:51
